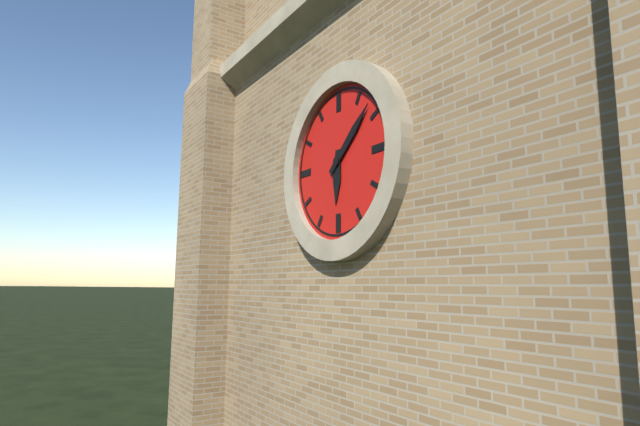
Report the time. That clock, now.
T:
6:08
